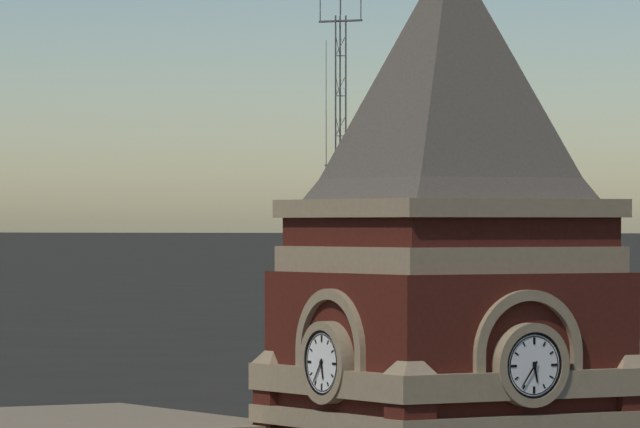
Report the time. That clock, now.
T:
5:36
